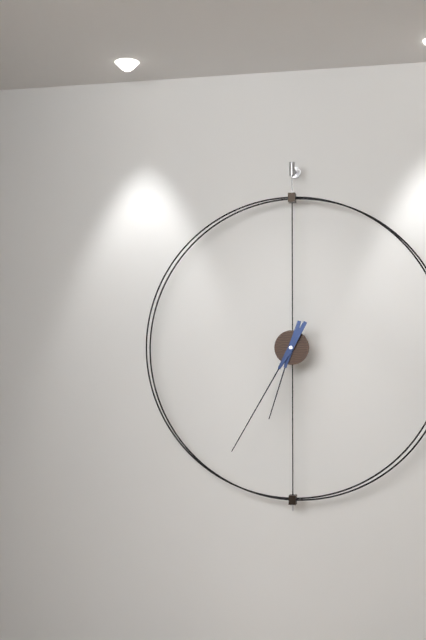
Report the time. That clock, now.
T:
6:35
